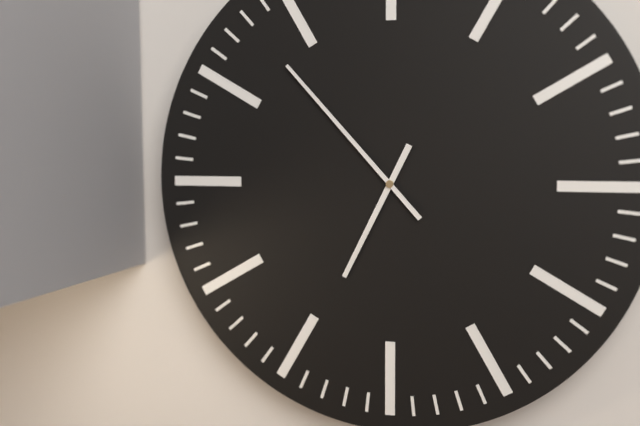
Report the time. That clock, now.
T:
6:53
